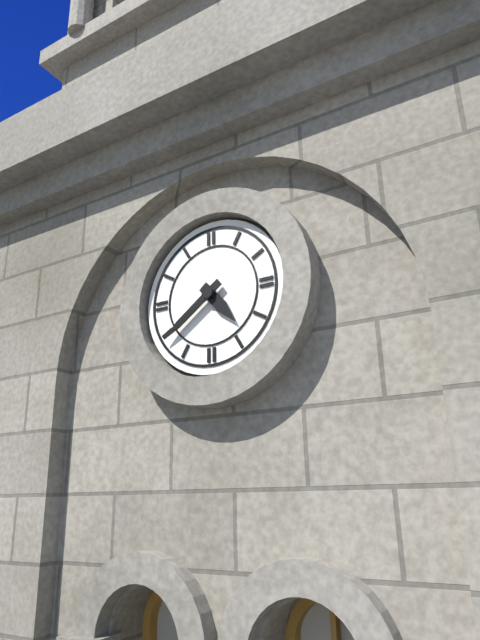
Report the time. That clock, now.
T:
4:39
